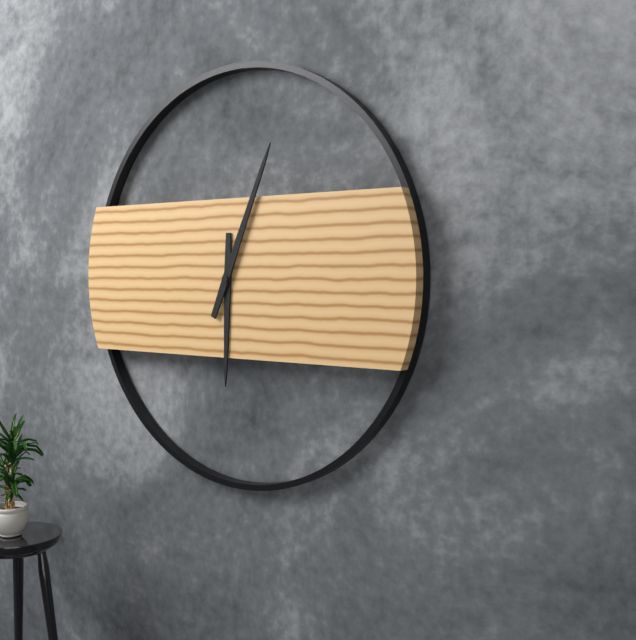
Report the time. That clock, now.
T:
6:04
